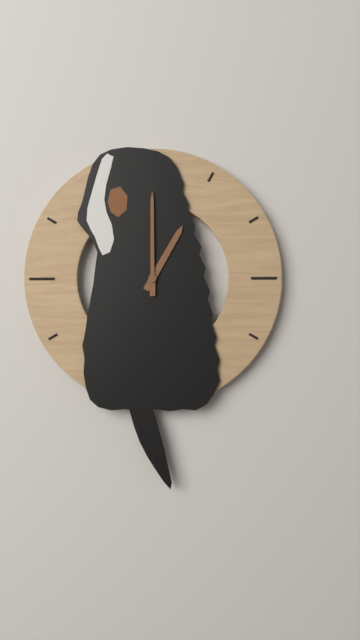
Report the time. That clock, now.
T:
1:00
